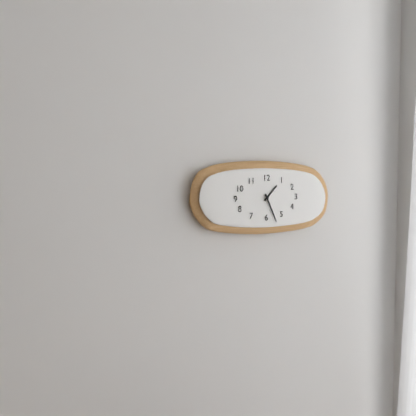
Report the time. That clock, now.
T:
1:26
